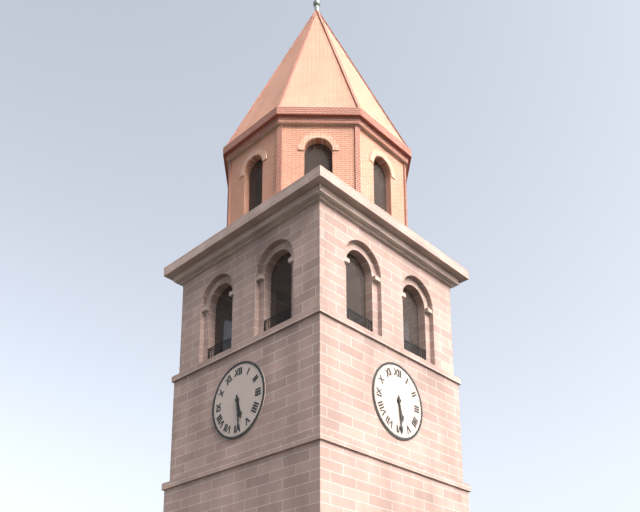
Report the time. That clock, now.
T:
5:29
